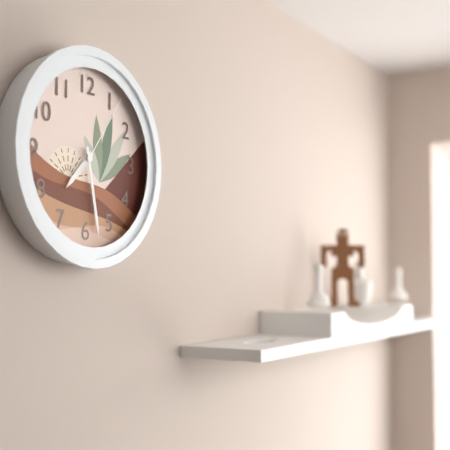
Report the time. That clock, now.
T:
7:28:06
